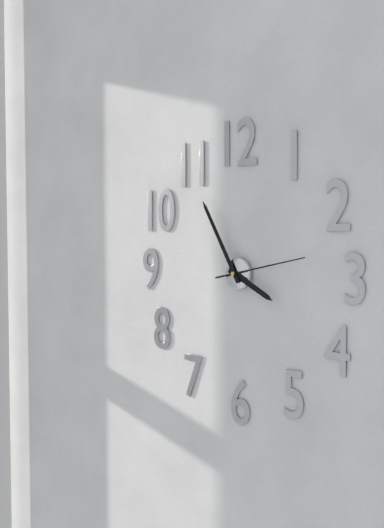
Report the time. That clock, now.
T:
3:55:13
